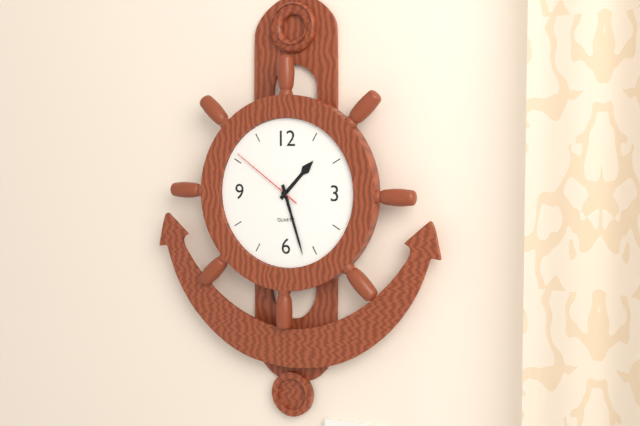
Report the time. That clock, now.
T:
1:27:51
